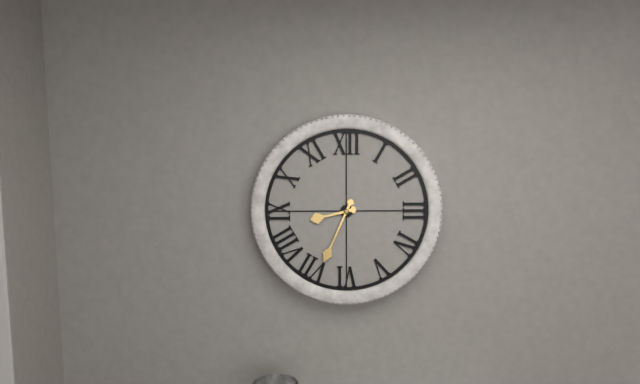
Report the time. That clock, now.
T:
8:34
